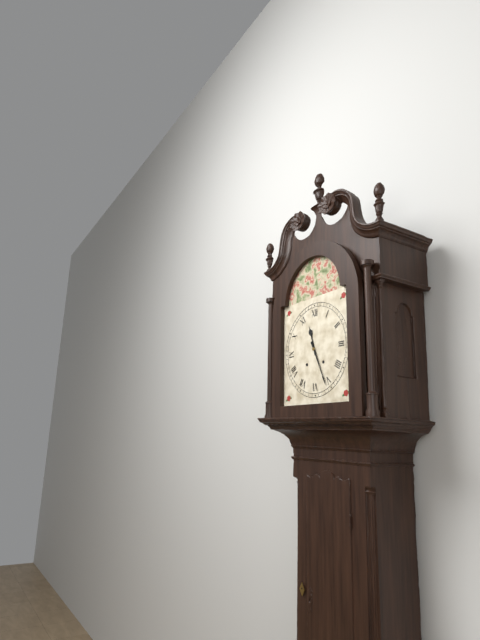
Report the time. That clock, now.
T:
11:26
